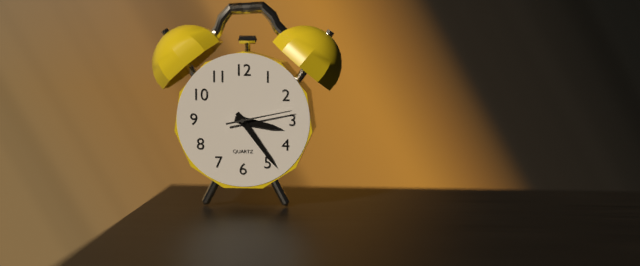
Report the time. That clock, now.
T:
3:24:13
